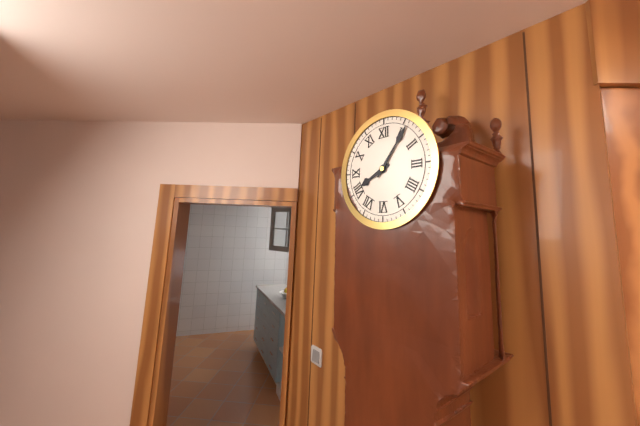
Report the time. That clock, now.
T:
8:06
